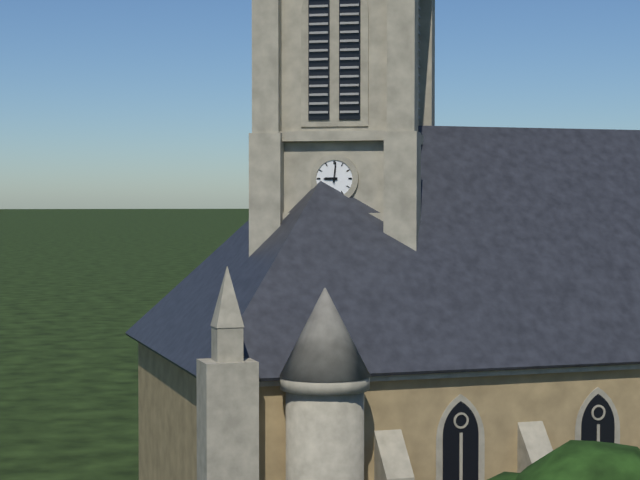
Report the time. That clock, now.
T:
9:01
